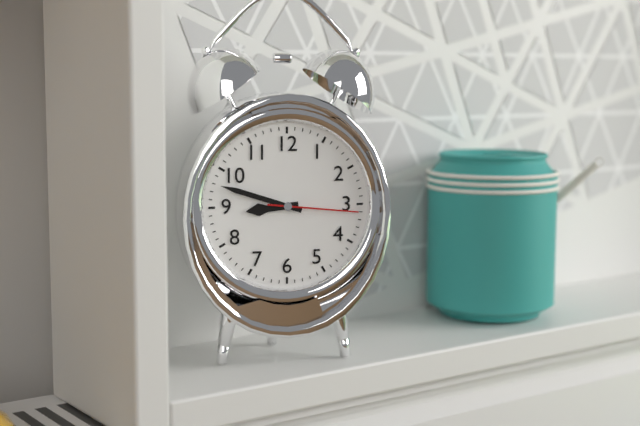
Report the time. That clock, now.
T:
8:48:16
